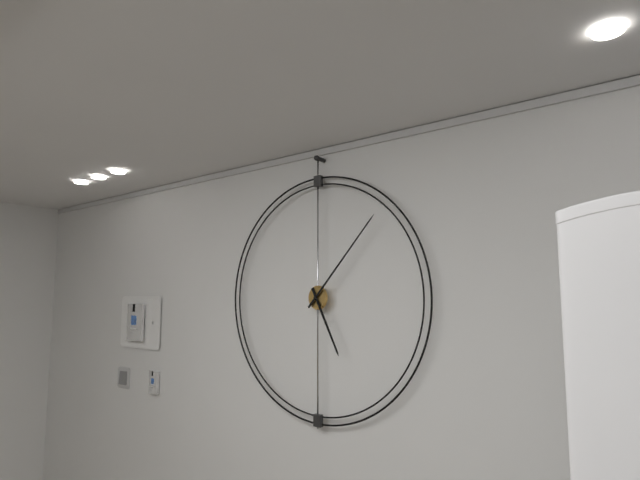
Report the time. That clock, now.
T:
5:07
